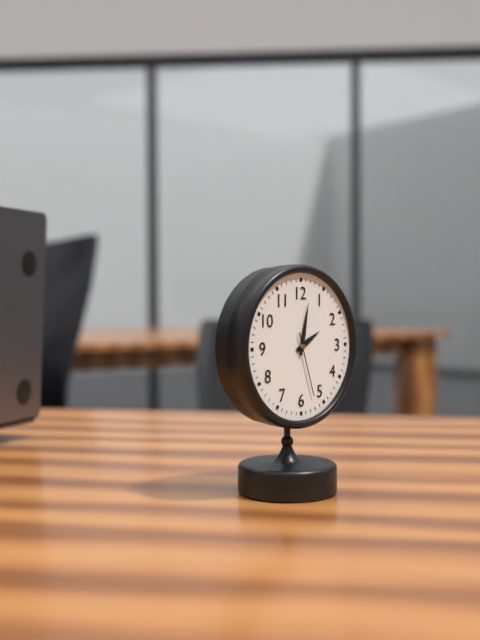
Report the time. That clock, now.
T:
2:02:27
